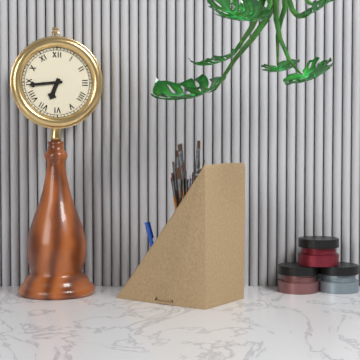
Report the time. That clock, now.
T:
6:44
